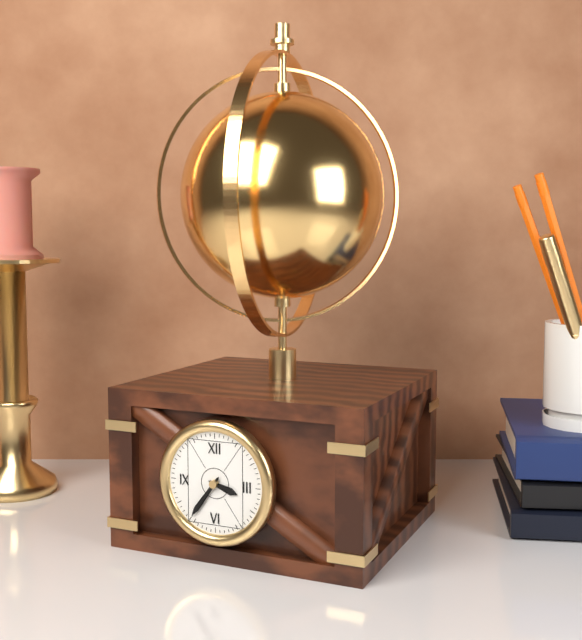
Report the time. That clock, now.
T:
3:36
